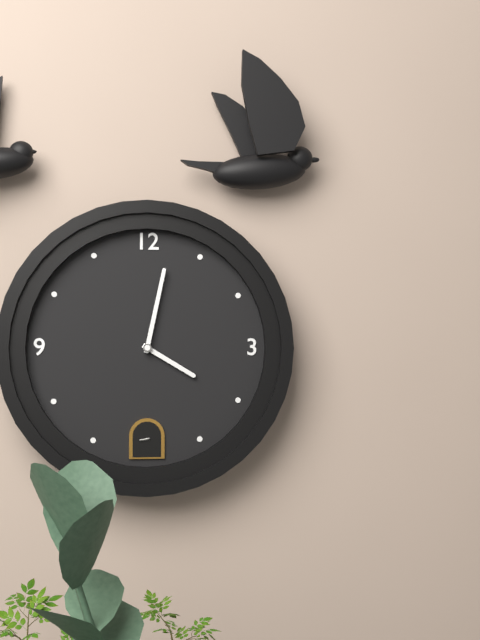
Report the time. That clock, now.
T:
4:02
